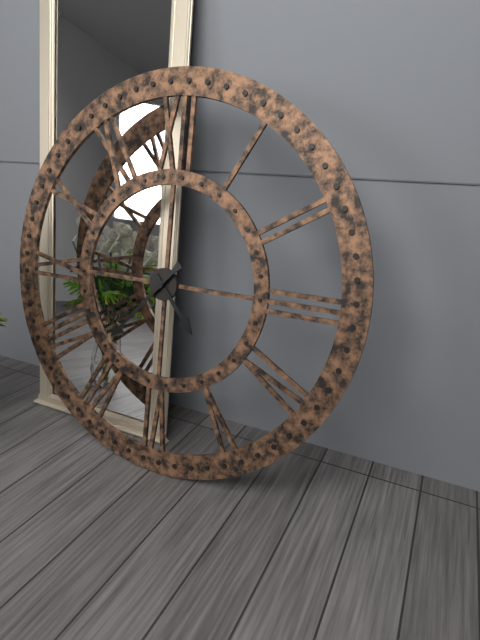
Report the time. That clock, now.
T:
4:37
